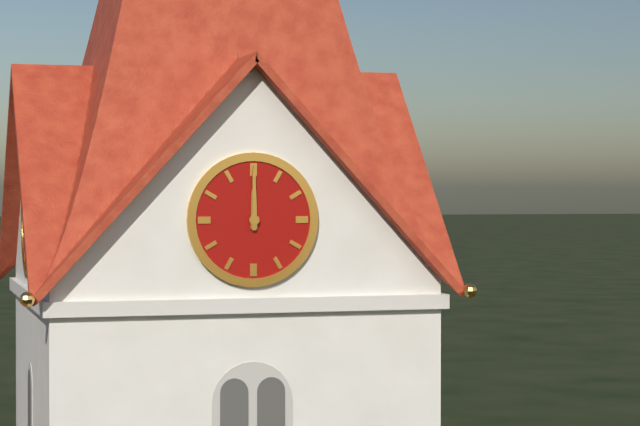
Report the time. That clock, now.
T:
12:00
